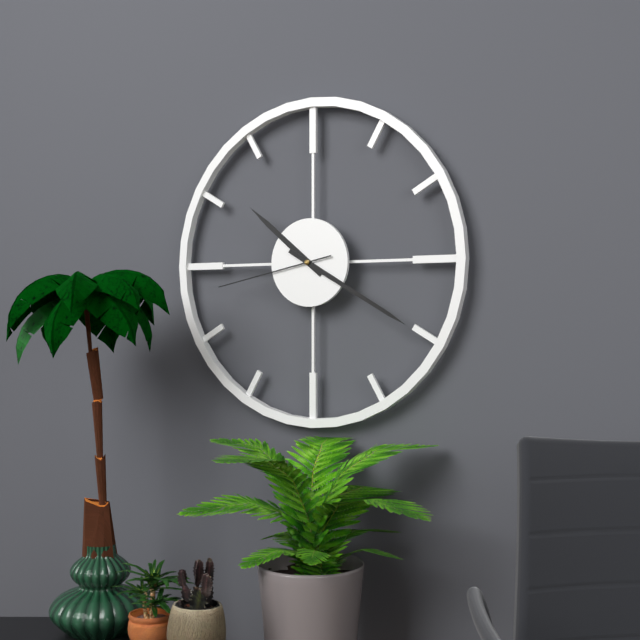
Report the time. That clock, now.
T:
10:20:43
